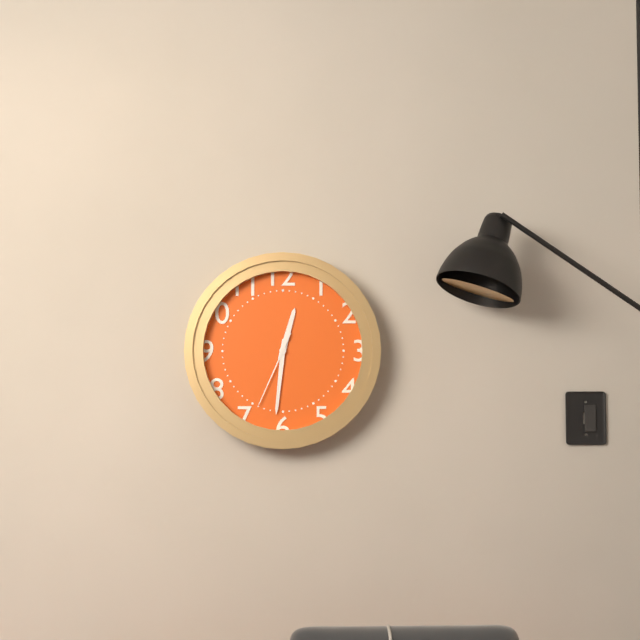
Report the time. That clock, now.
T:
12:31:34
